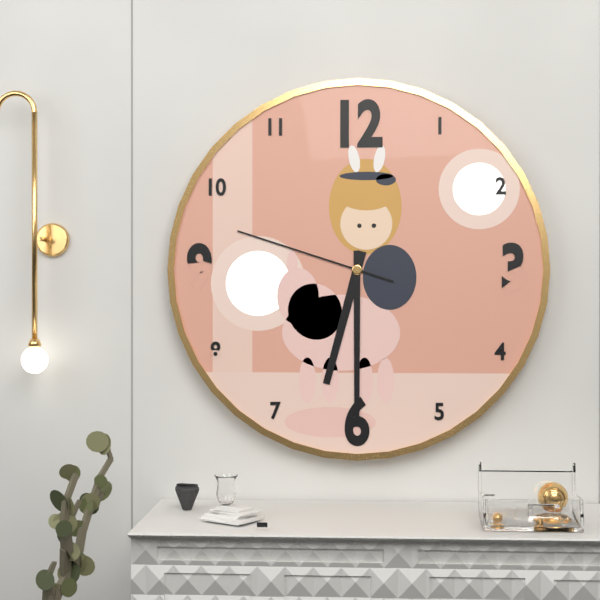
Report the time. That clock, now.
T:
6:30:48
